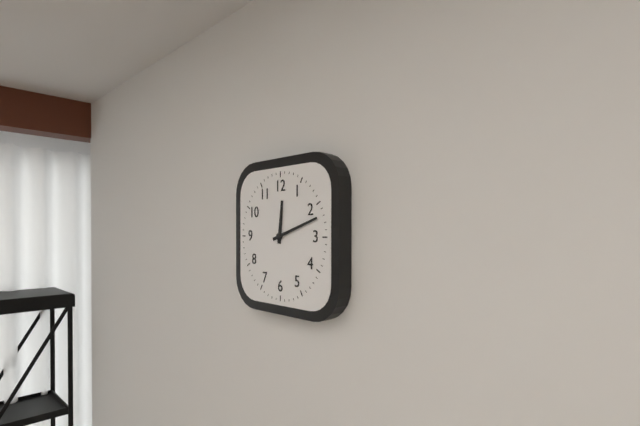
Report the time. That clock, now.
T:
12:12
